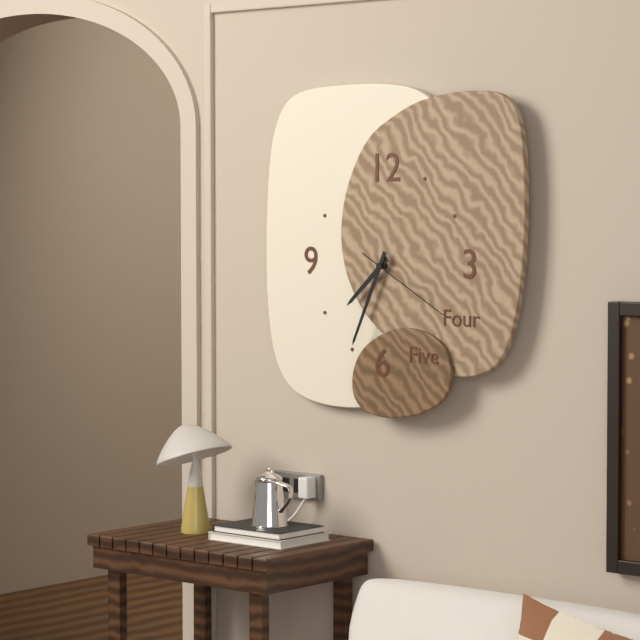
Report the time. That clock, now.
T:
7:34:20
